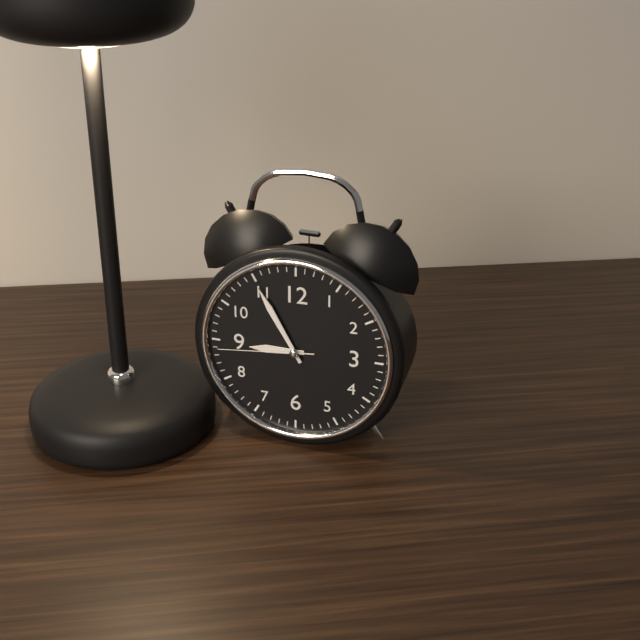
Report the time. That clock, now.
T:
8:55:44
